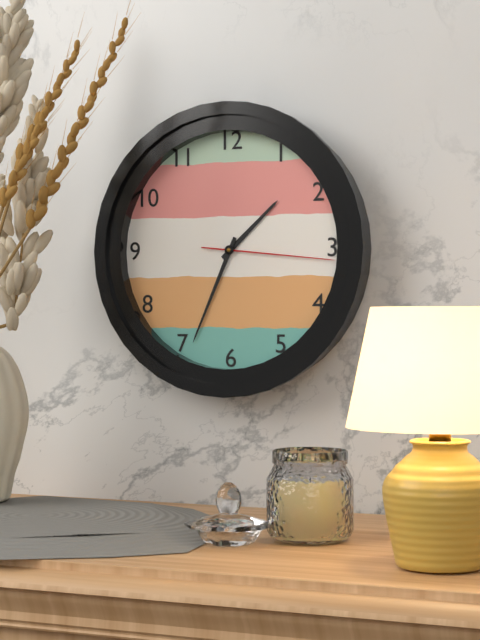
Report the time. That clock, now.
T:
1:34:16
